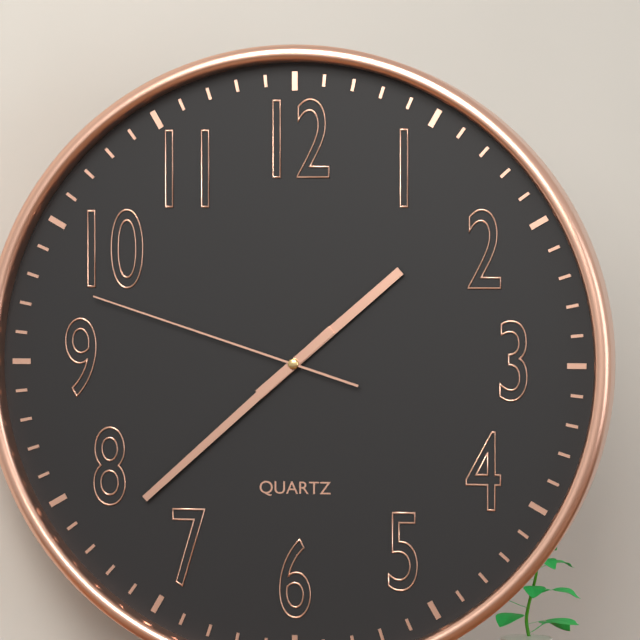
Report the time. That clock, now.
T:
1:38:48
